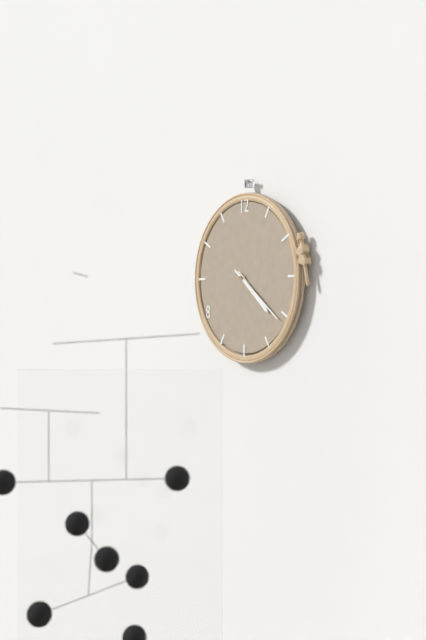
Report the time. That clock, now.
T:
4:21
